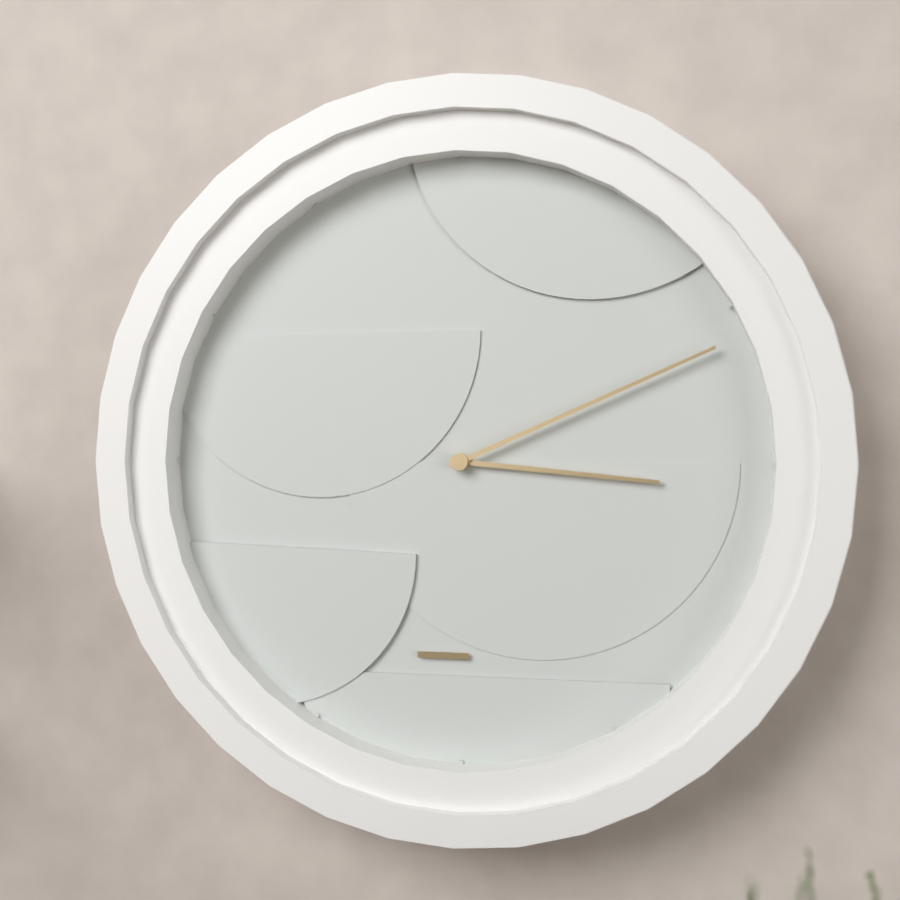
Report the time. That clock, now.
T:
3:11
